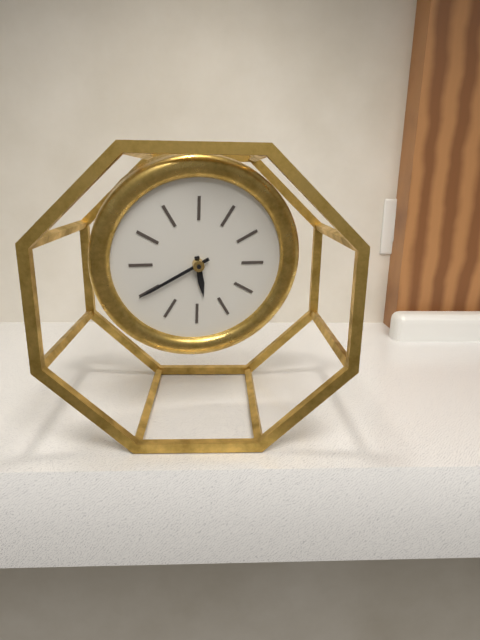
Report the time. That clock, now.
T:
5:40
